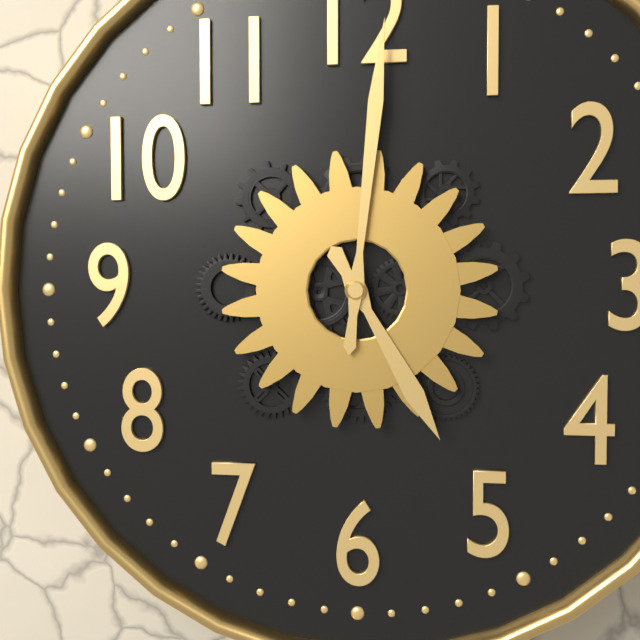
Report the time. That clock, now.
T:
5:01
